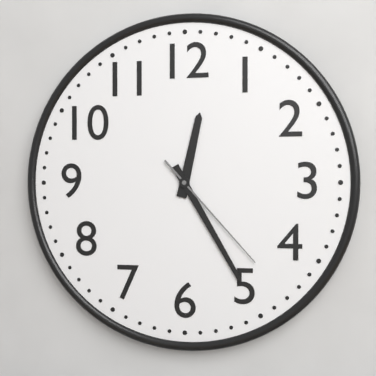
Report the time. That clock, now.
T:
12:25:23
